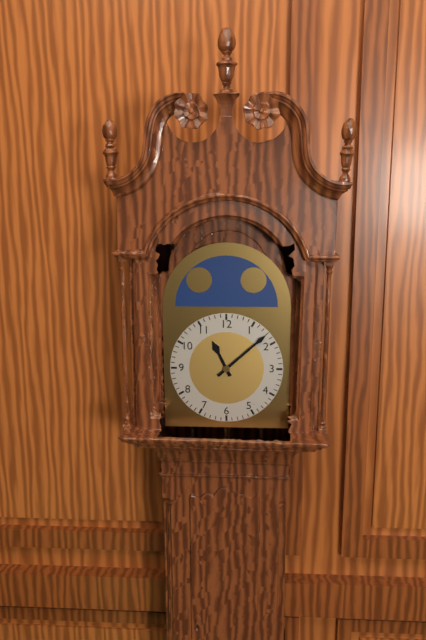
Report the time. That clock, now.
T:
11:08
